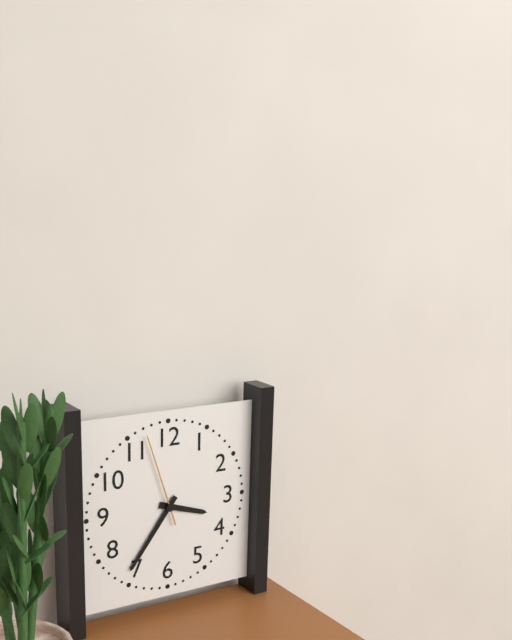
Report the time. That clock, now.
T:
3:36:57
